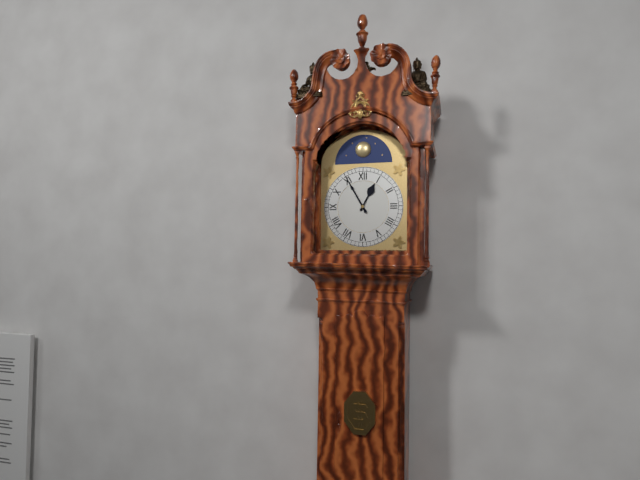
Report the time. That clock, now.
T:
12:55
